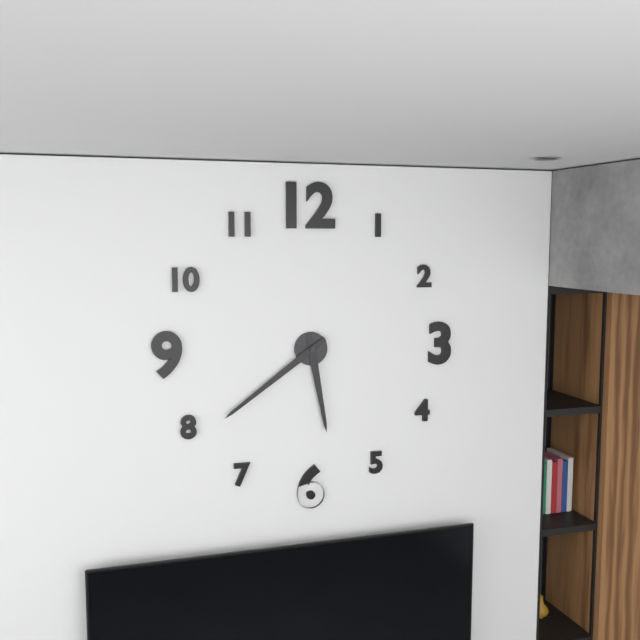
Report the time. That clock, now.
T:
5:39
